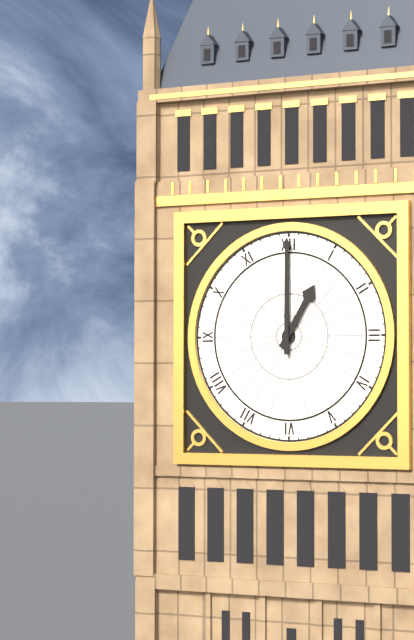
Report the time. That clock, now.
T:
1:00
